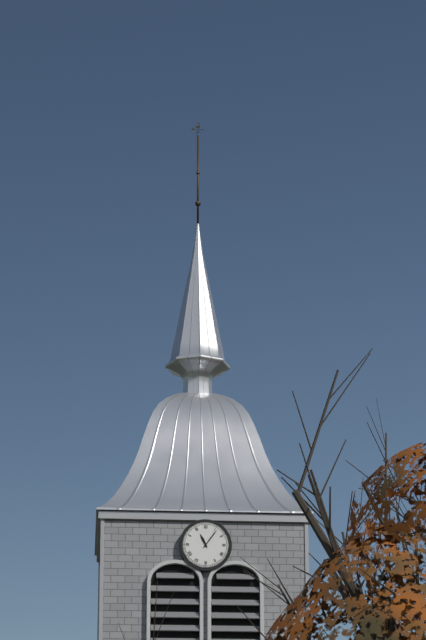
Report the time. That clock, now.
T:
11:06
